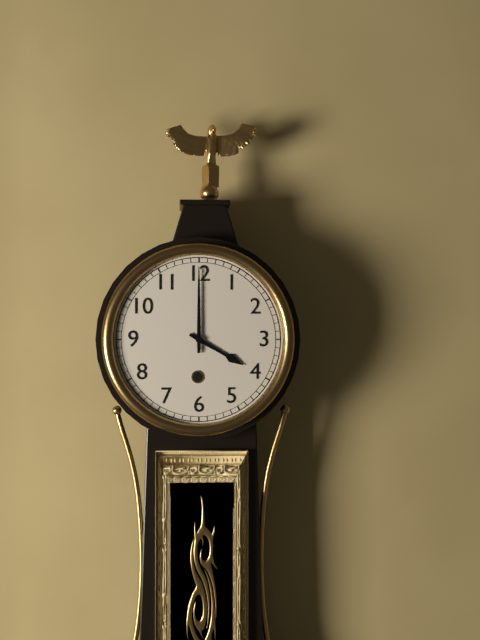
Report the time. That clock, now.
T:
4:00
